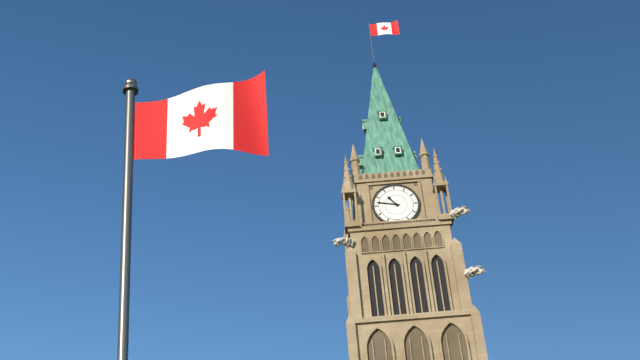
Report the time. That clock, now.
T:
10:47
